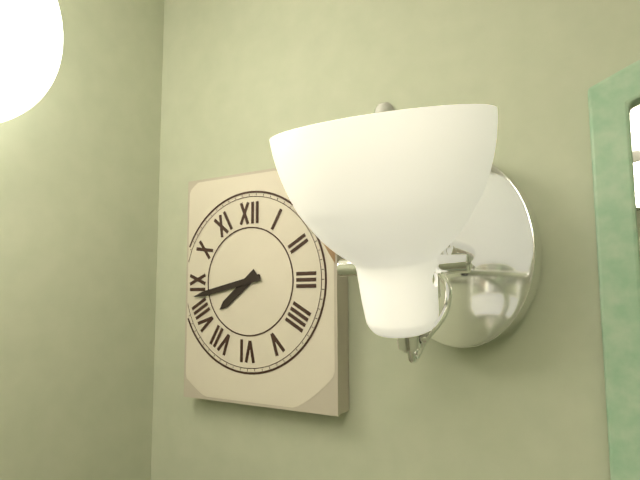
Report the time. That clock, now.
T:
7:43
